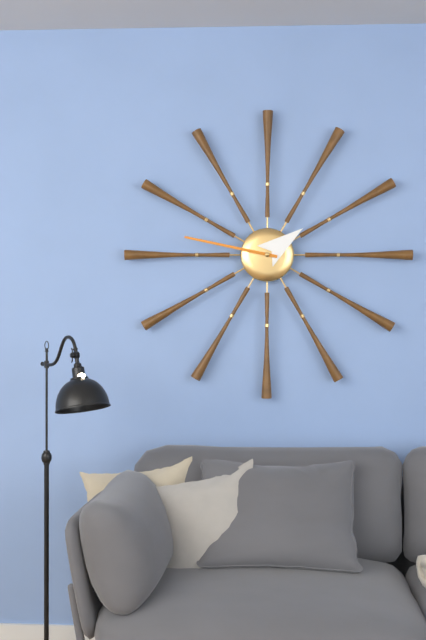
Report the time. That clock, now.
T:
1:47
